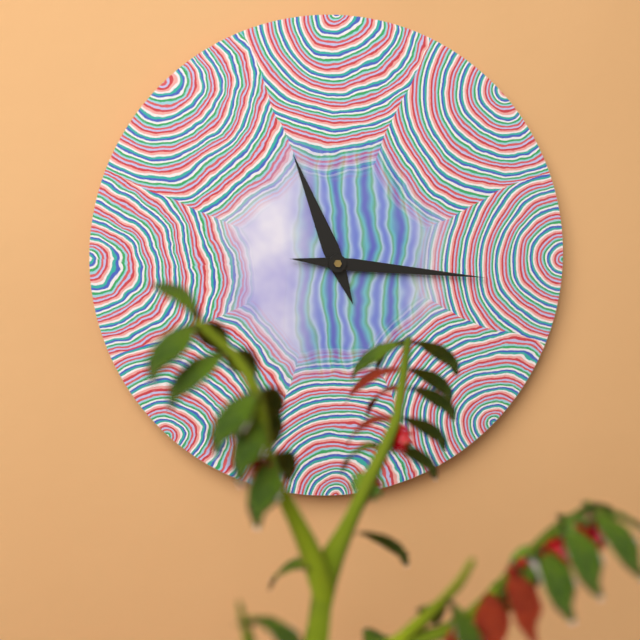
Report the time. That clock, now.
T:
11:16
